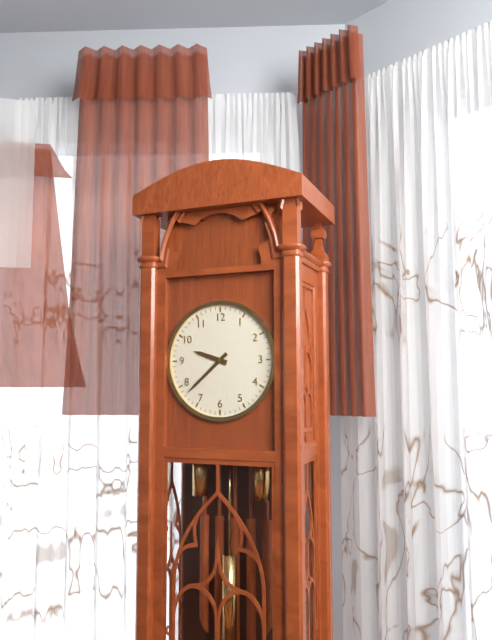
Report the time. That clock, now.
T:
9:38
